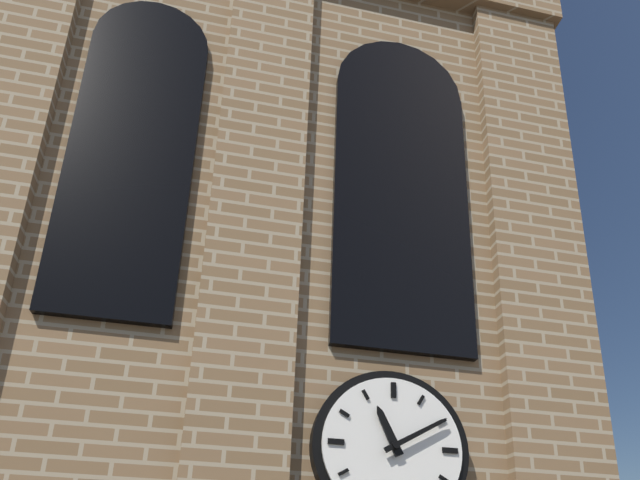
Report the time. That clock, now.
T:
11:10
